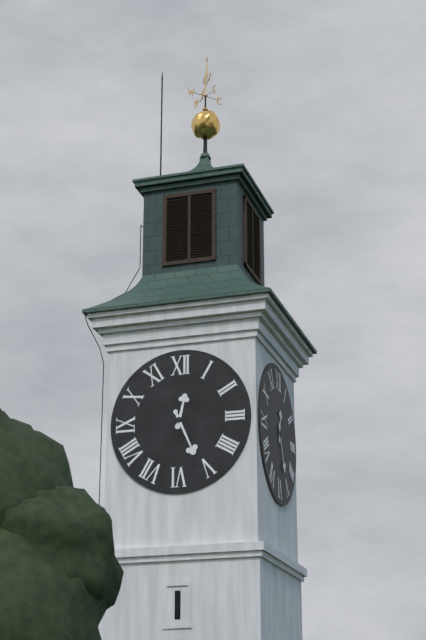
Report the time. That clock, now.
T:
12:26
